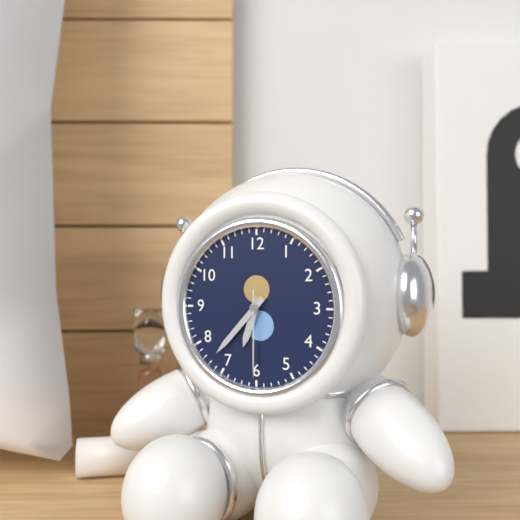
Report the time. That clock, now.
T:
6:37:30
